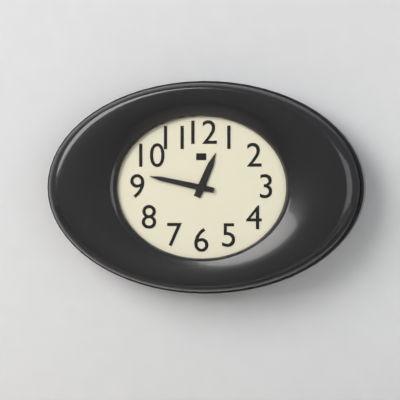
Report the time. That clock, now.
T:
12:47
